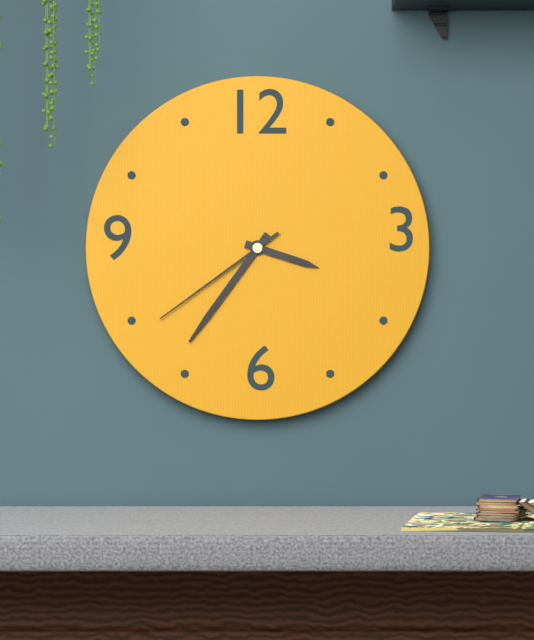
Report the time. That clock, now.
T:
3:36:39
